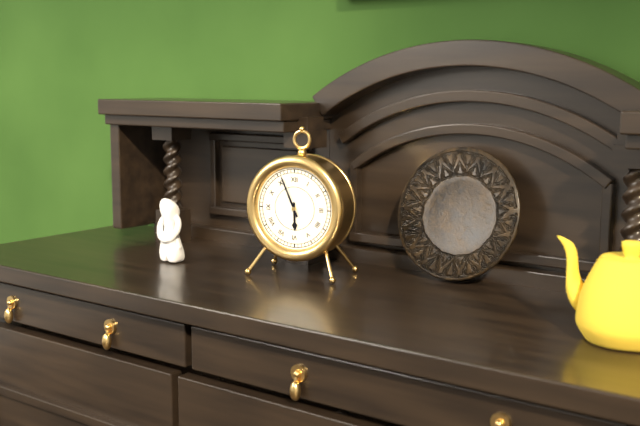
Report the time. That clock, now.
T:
5:56
